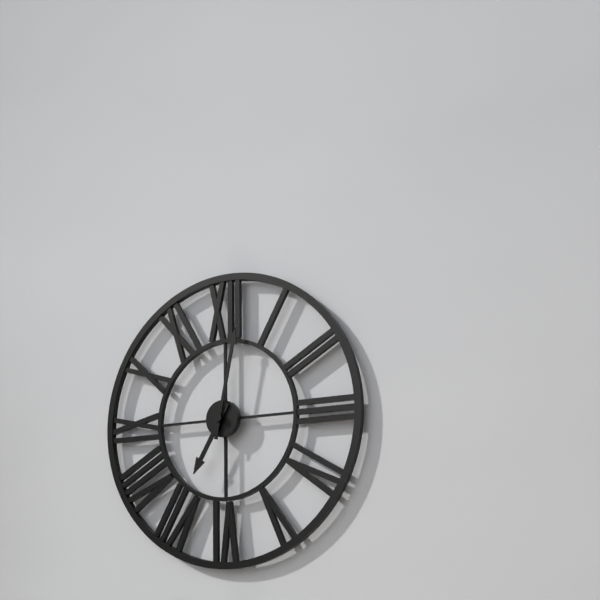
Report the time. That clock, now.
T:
7:02
